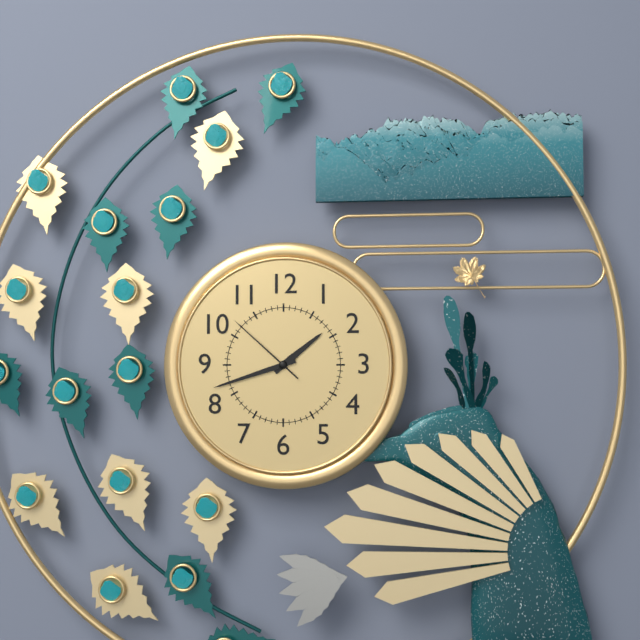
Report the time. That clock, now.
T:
1:42:52
